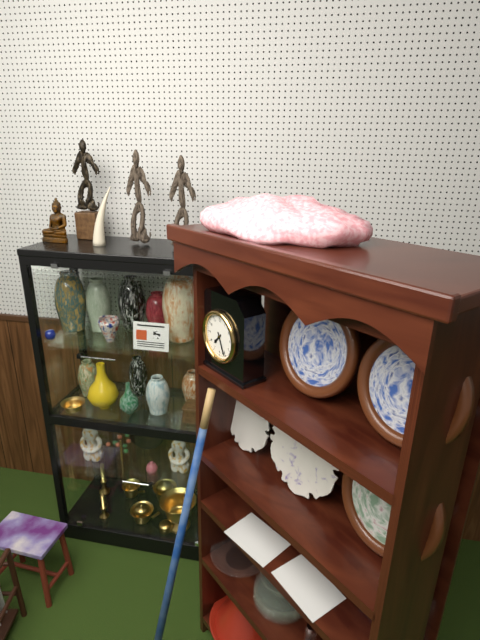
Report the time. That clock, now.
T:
7:26
